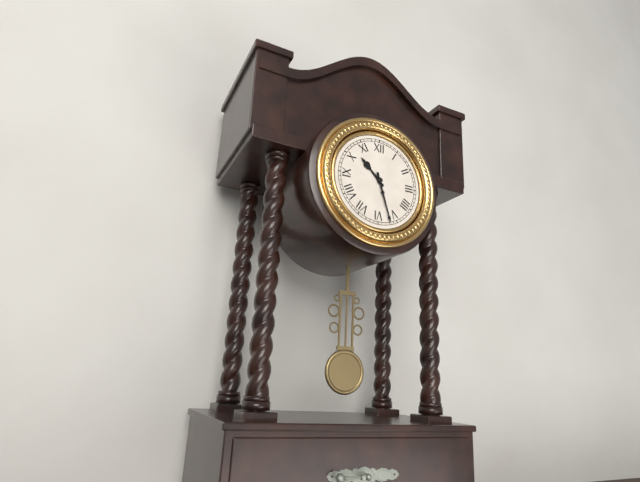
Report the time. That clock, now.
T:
10:27
